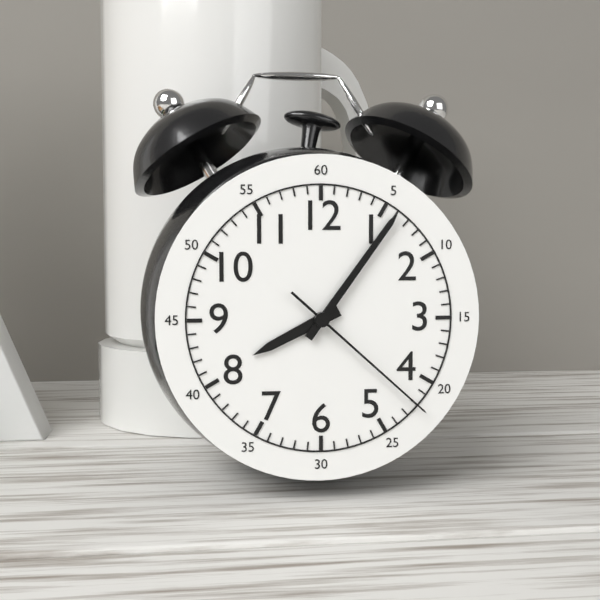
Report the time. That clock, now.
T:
8:06:22
